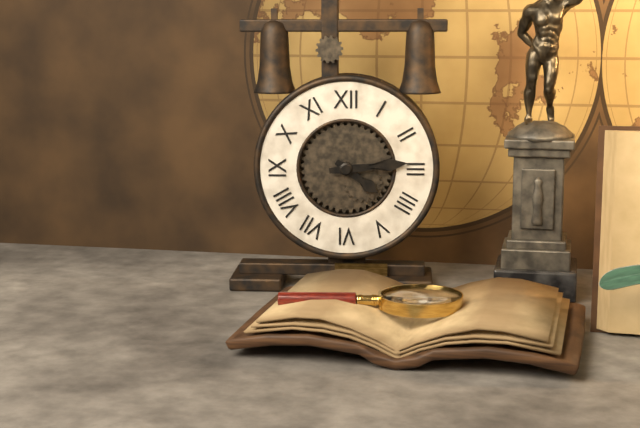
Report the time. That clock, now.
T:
4:14
